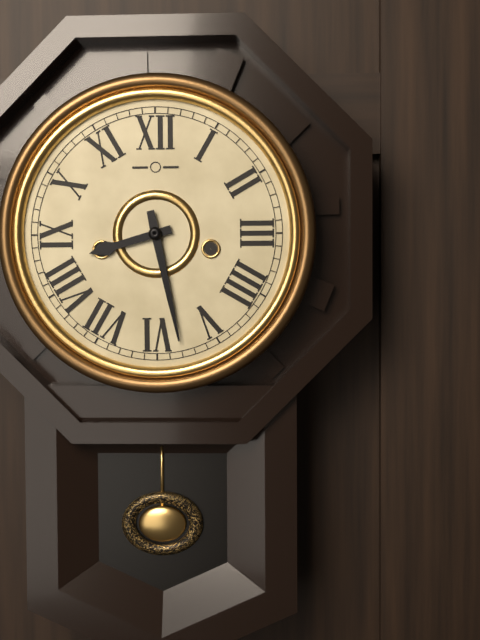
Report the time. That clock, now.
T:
8:28
